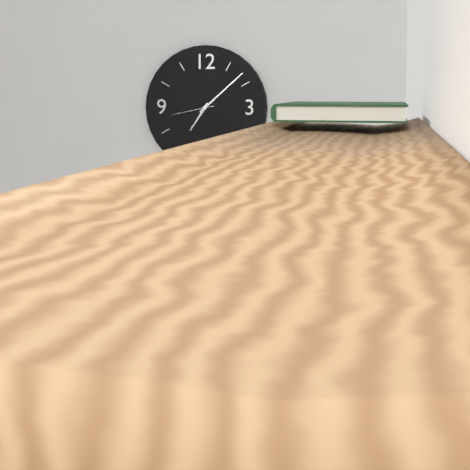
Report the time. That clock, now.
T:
7:08
